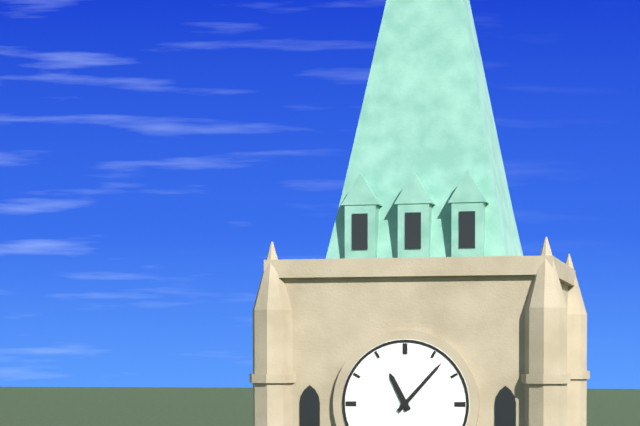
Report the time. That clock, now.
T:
11:07
